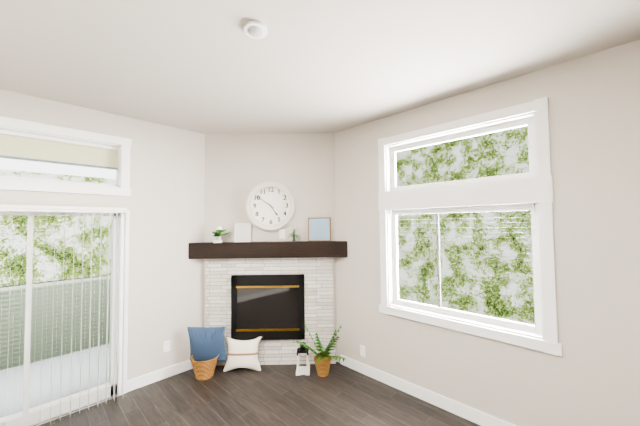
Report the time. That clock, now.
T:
4:51
